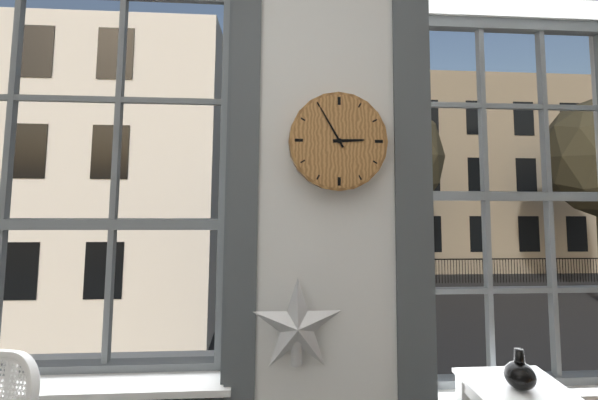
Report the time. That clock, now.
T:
2:55
